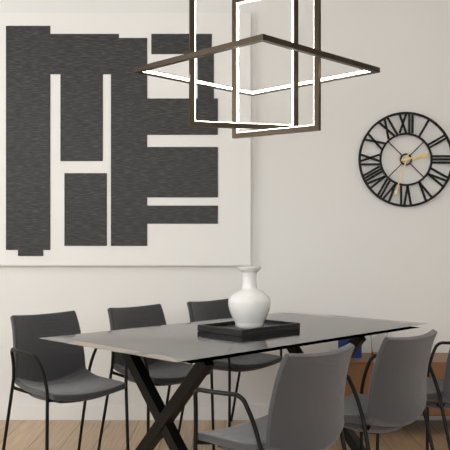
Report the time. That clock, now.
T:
2:33
